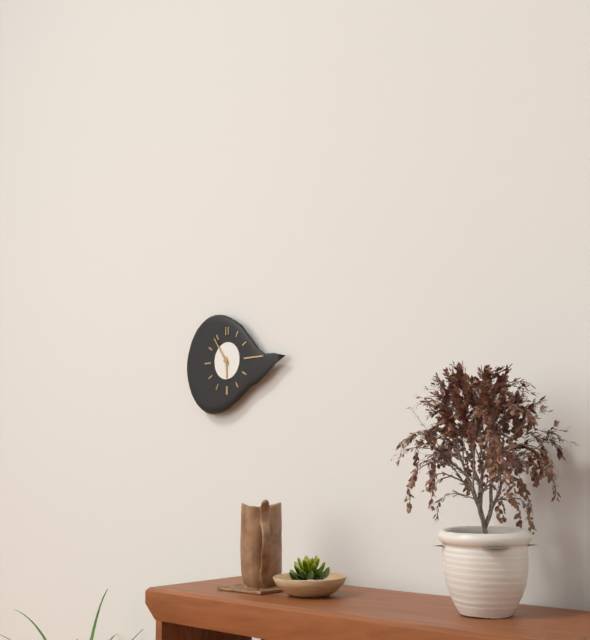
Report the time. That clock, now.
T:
5:54
